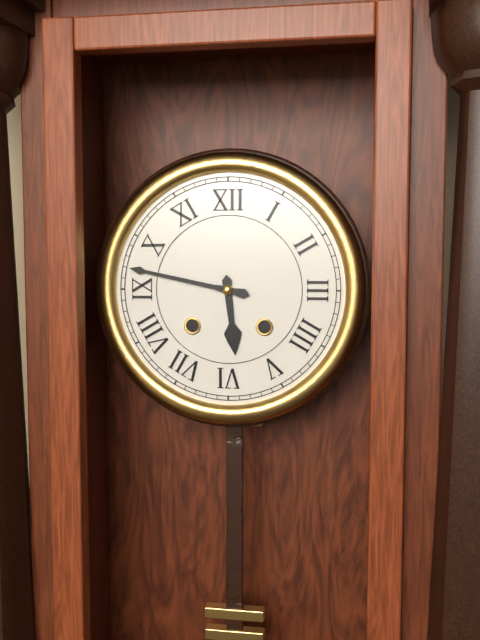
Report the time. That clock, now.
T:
5:47
